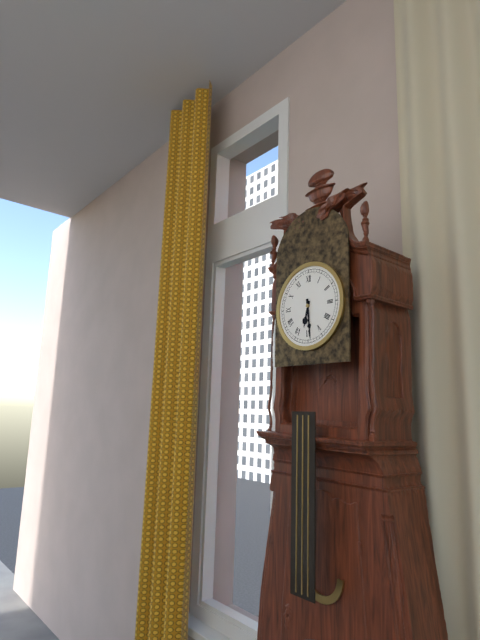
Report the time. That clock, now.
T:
6:29
